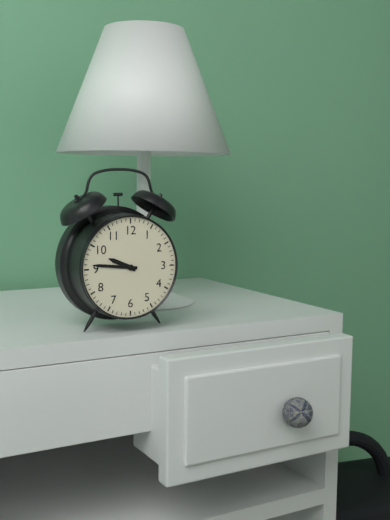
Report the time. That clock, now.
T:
9:46
